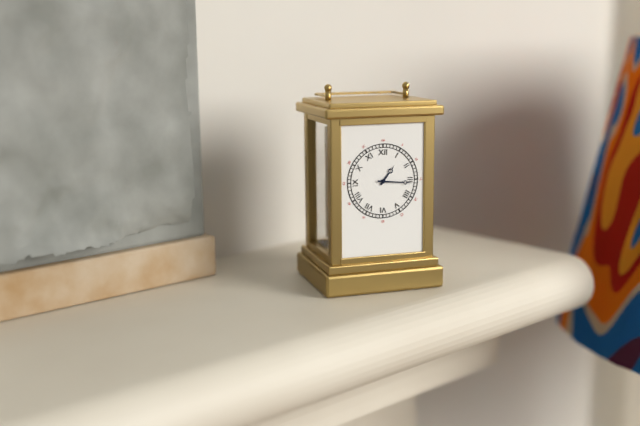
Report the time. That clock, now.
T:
1:16
